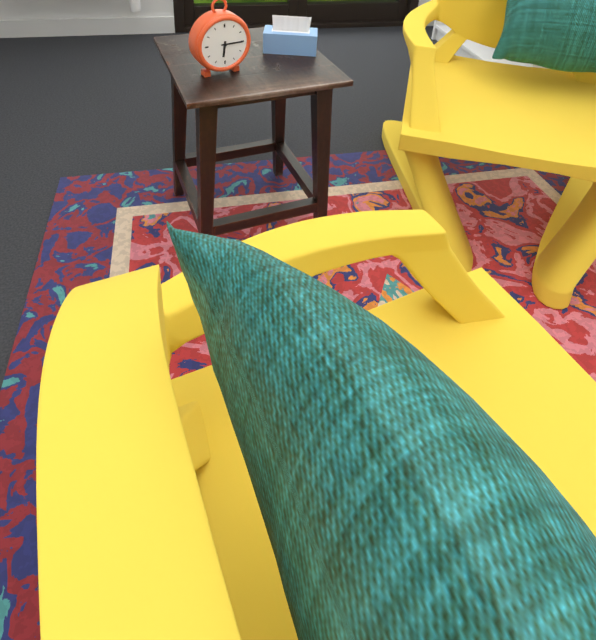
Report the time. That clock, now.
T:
6:15
